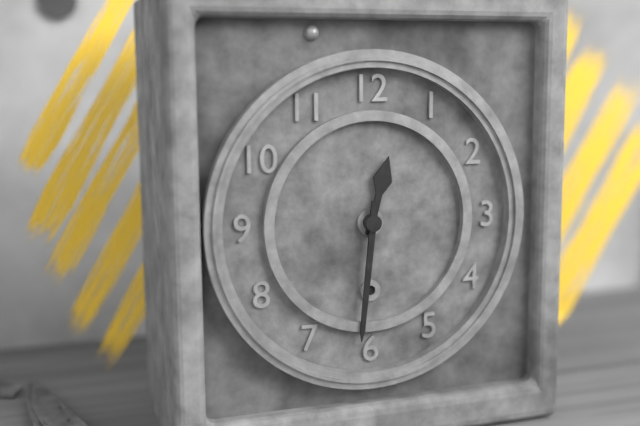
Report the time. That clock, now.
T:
12:31
